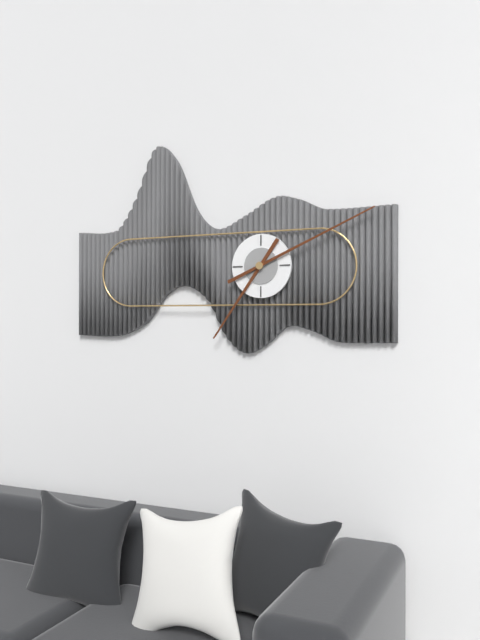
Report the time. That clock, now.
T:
7:11
